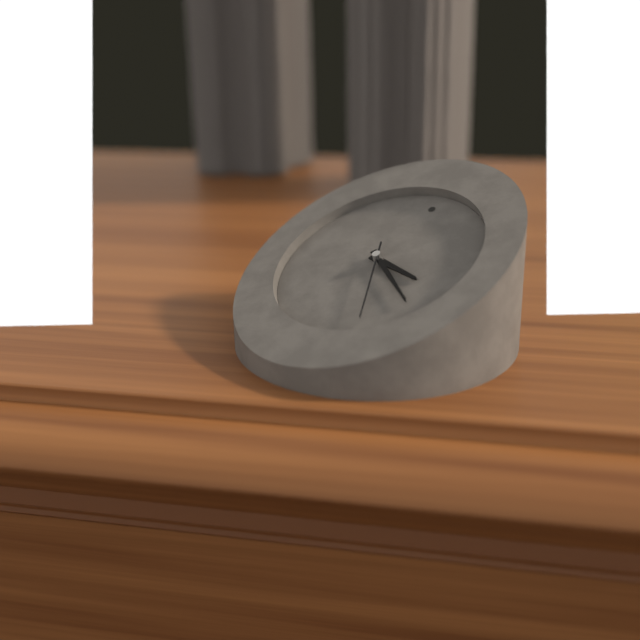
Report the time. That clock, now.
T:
3:20:25
